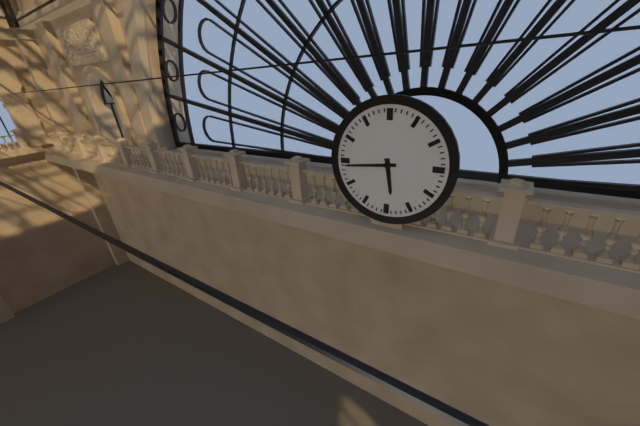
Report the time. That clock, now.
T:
5:44
